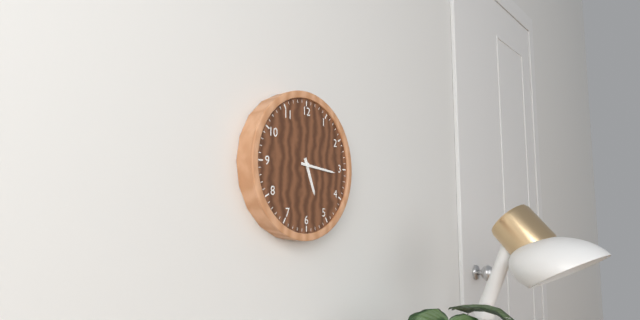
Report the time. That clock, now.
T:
5:16
